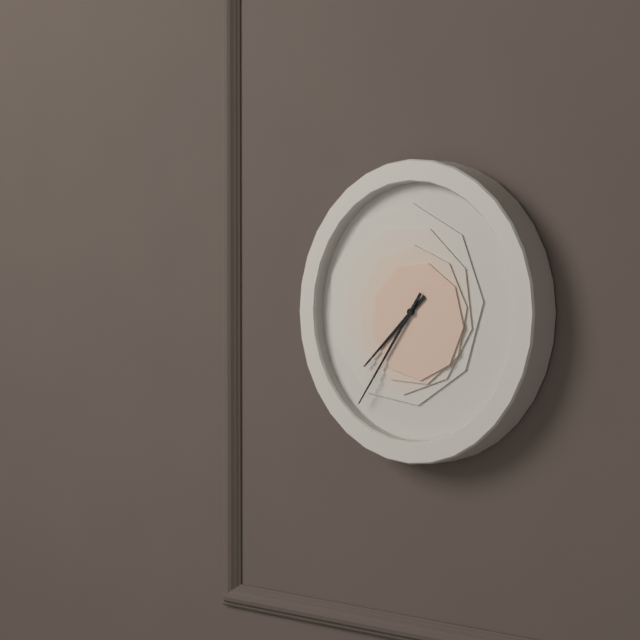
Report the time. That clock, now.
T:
7:36
